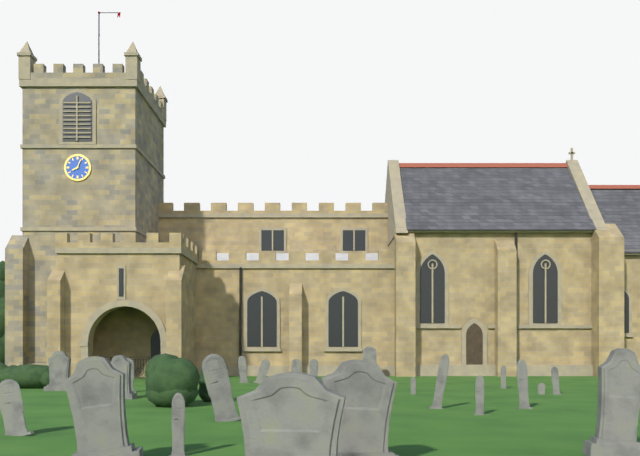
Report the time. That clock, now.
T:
8:04
